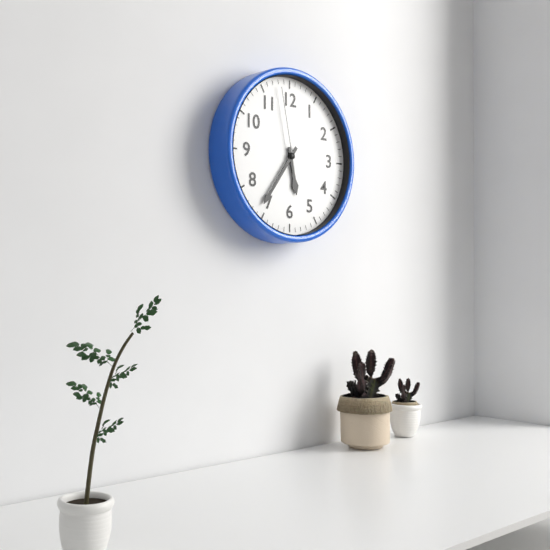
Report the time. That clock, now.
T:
5:36:58
